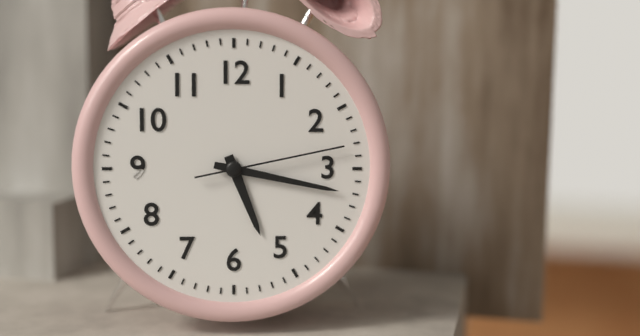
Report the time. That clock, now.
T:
5:17:13
